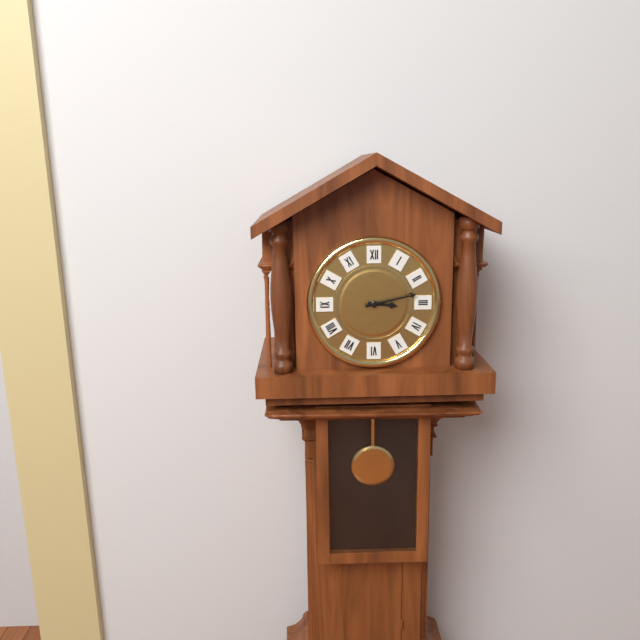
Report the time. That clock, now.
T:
3:13
